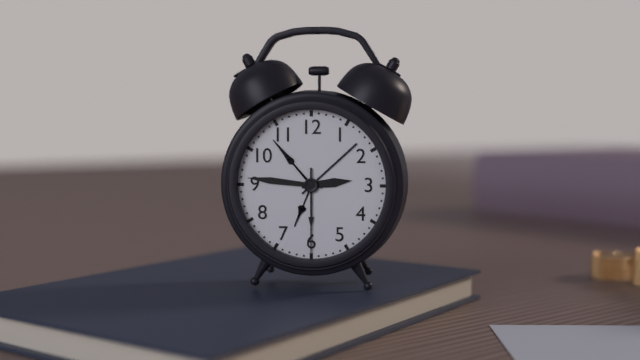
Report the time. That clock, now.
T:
2:46:30
